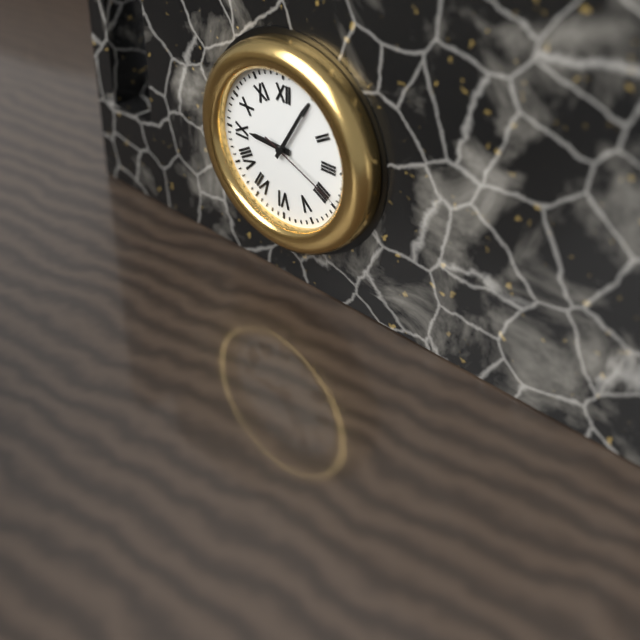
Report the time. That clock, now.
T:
9:05:19
